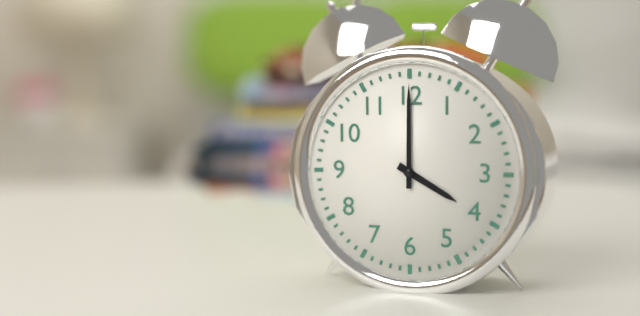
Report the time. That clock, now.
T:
4:00
